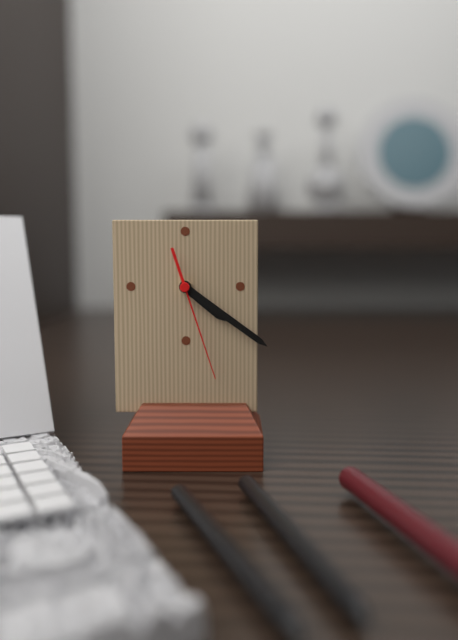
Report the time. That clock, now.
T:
4:21:27
